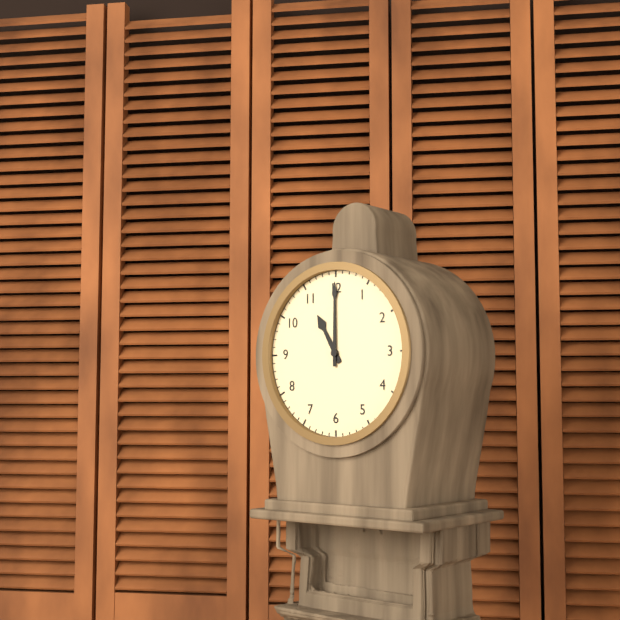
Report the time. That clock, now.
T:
11:00
